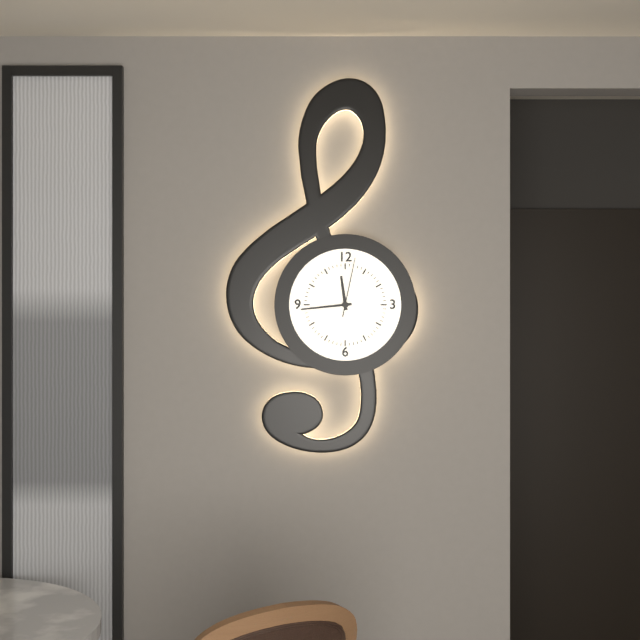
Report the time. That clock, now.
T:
11:44:02
